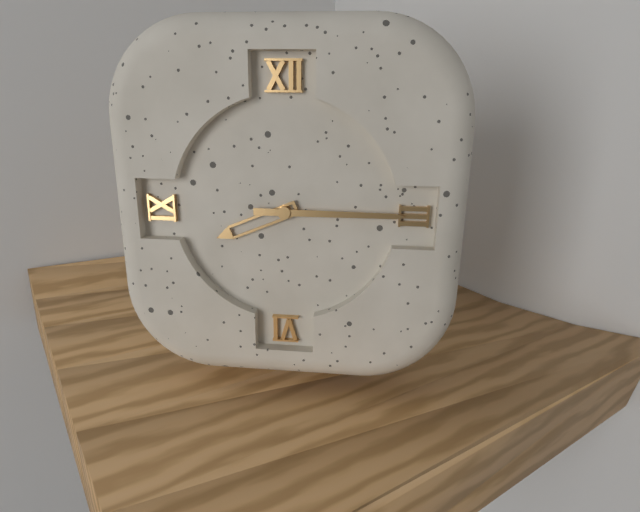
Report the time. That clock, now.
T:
8:15
